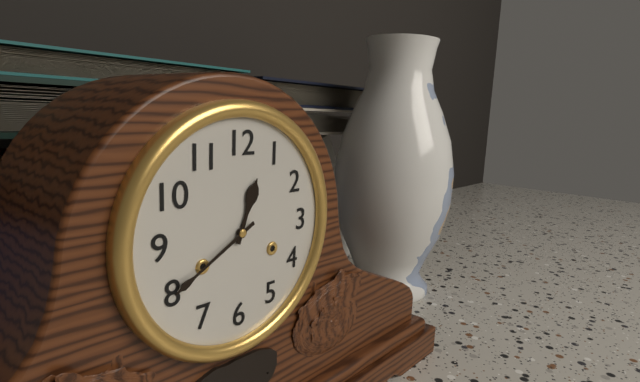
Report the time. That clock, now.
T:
12:40
